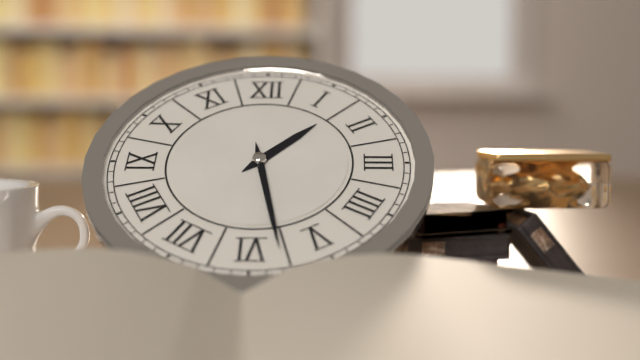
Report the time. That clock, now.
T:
1:28
